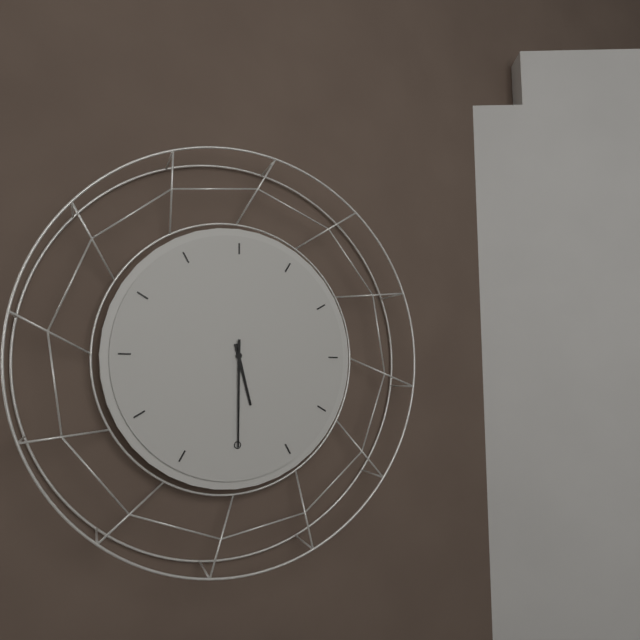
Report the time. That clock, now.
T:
5:30
